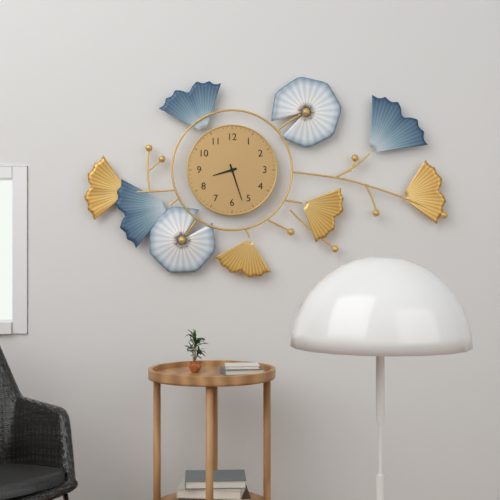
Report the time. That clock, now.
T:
8:27
